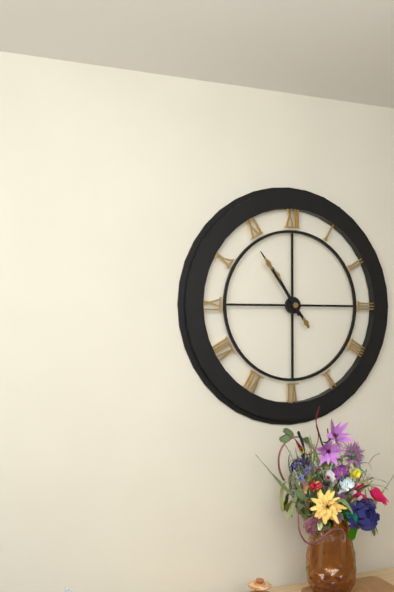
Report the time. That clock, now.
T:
10:54
